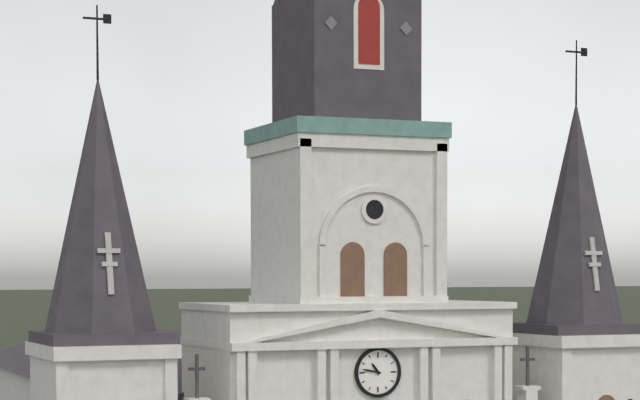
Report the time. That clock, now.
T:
10:47
